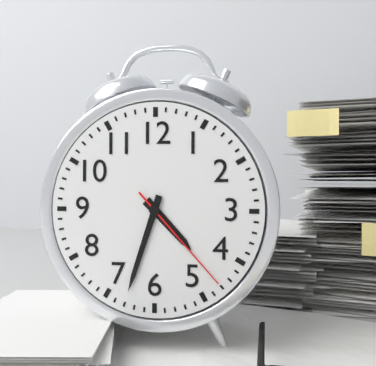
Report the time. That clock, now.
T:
4:33:23
